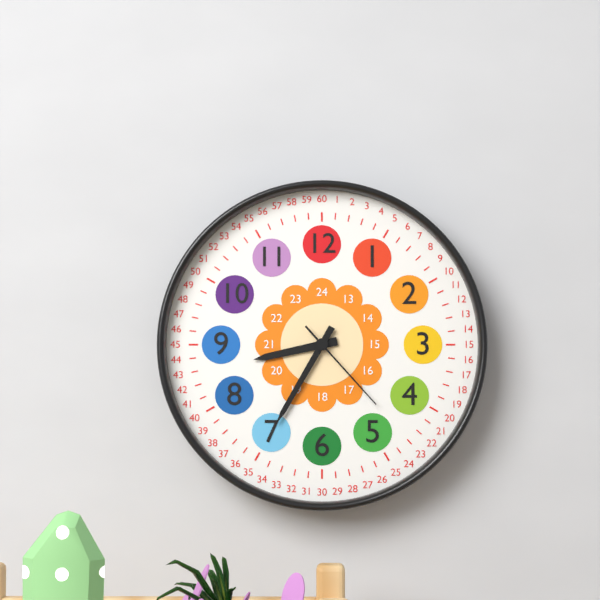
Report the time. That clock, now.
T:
8:35:23
